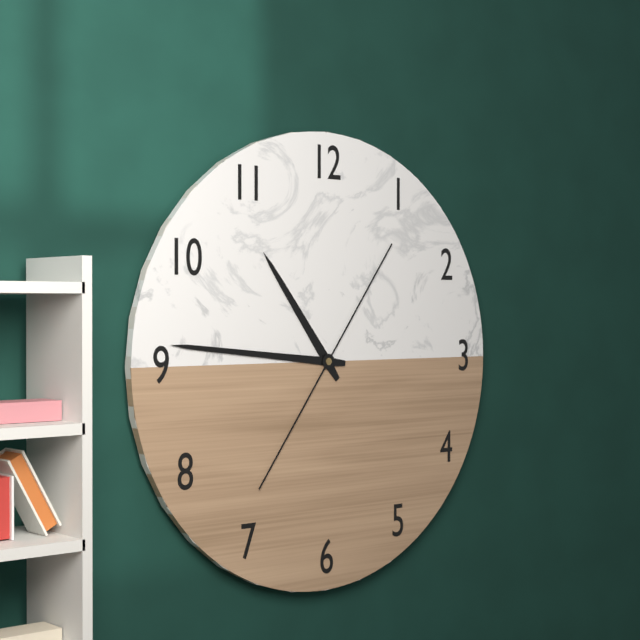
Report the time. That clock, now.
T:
10:46
